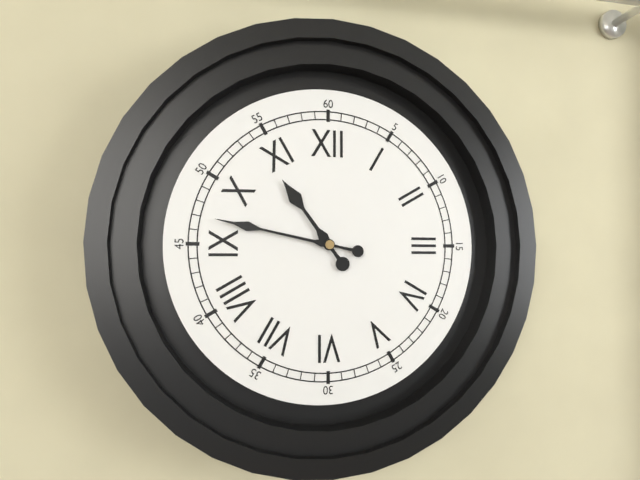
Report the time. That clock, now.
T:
10:47
